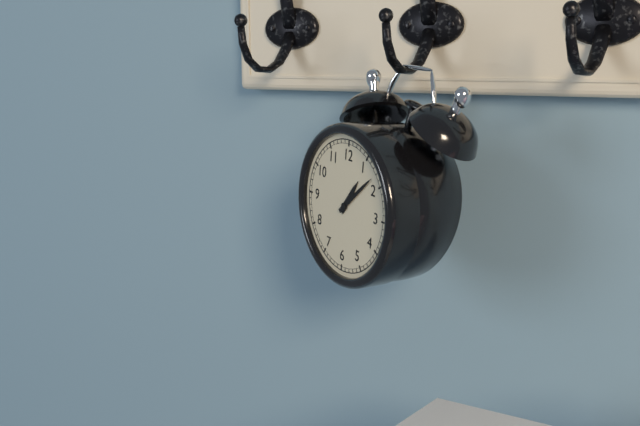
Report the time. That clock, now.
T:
1:08
